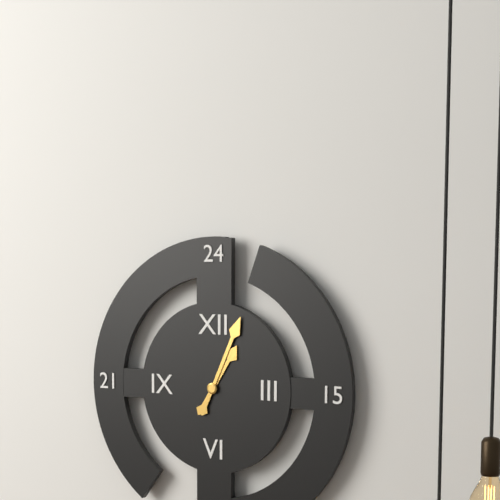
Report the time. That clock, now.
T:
1:04
